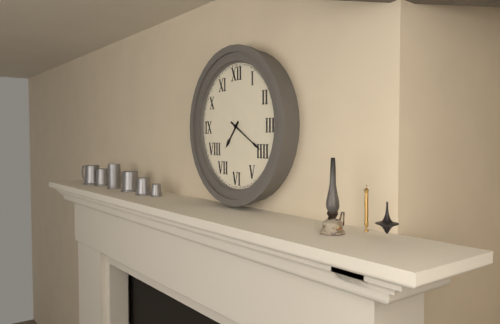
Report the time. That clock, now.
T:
7:20
